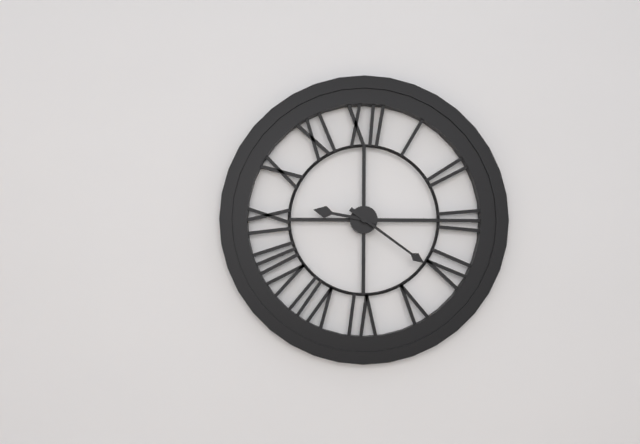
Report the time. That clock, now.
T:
9:21
